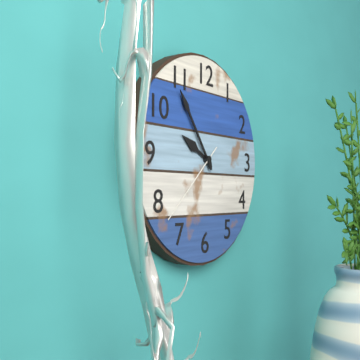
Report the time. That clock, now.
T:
9:54:38
